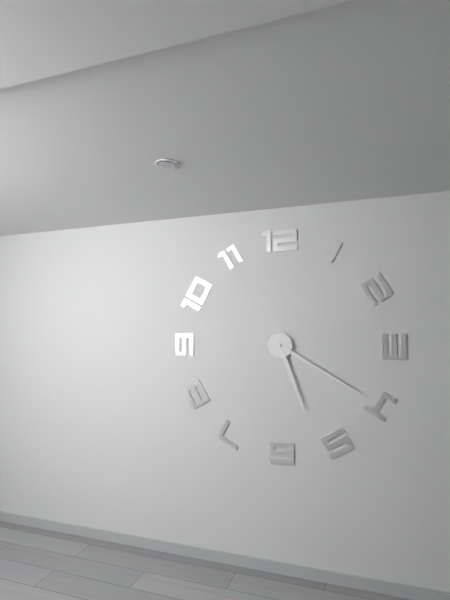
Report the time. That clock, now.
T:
5:20
